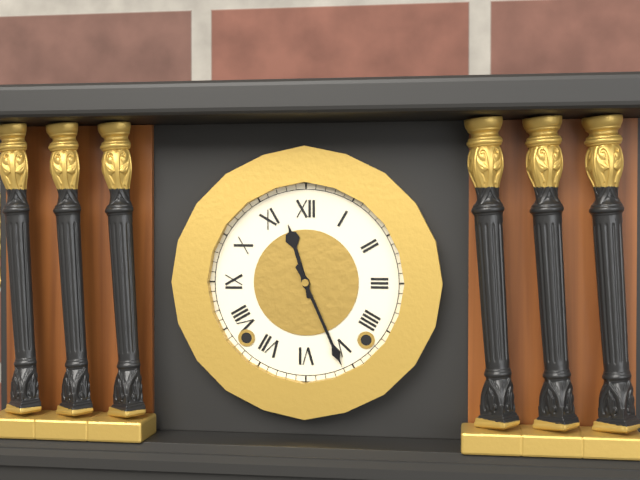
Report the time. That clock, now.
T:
11:26
